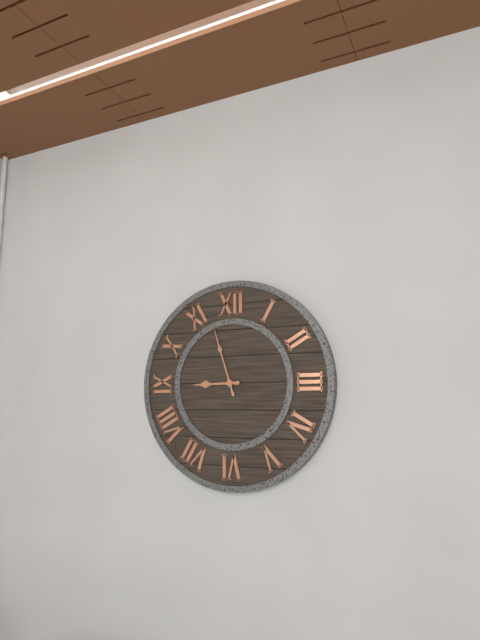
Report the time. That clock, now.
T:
8:57
